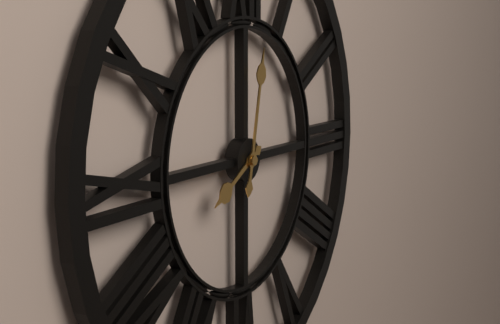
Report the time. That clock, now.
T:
8:02
